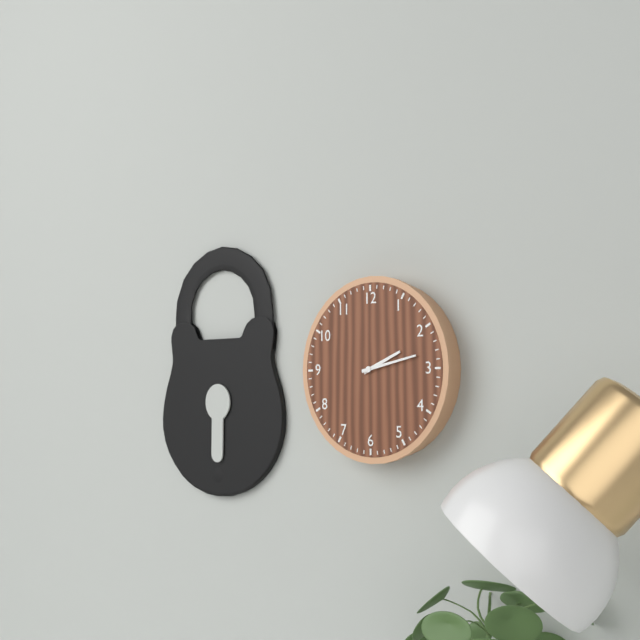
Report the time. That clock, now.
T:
2:13
